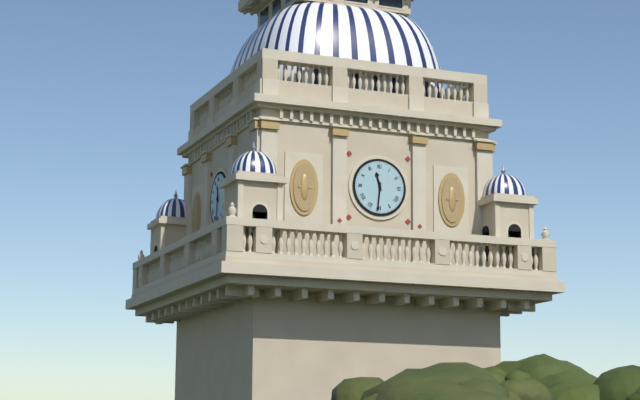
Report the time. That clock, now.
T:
11:31
